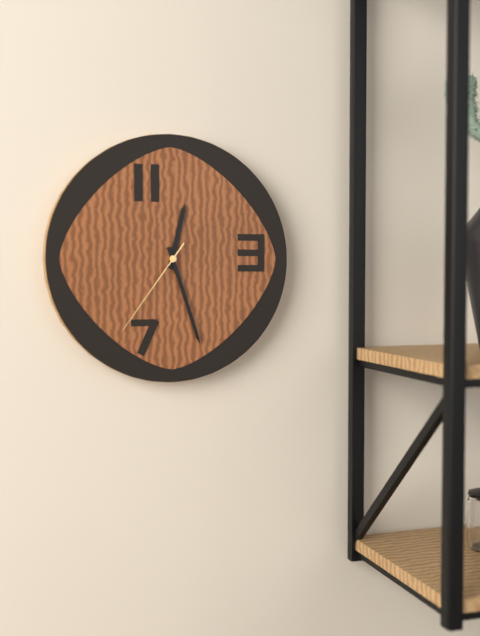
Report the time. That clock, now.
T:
12:27:36
